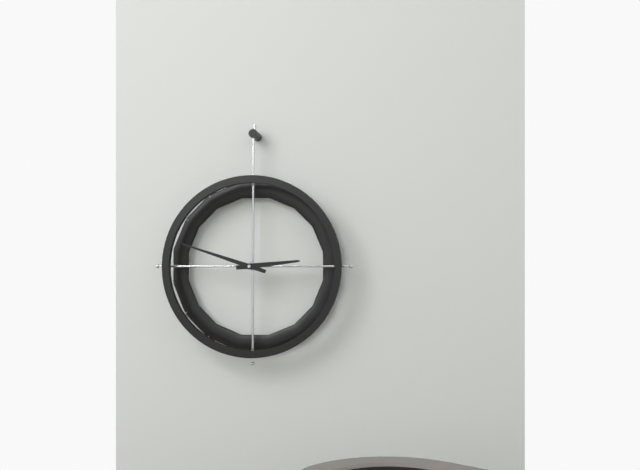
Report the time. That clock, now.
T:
2:48
